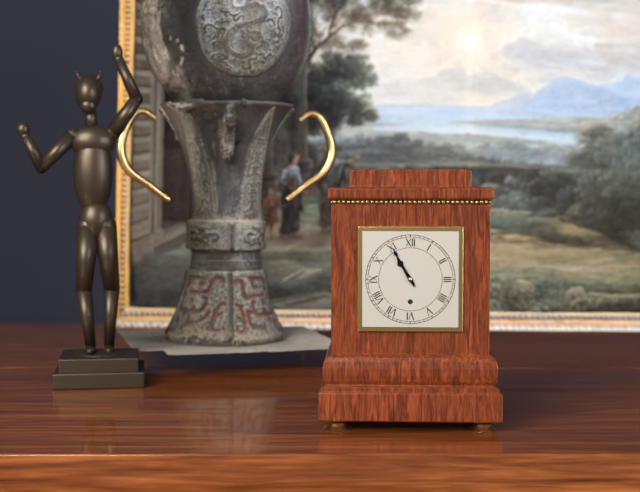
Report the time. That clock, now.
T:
10:55
